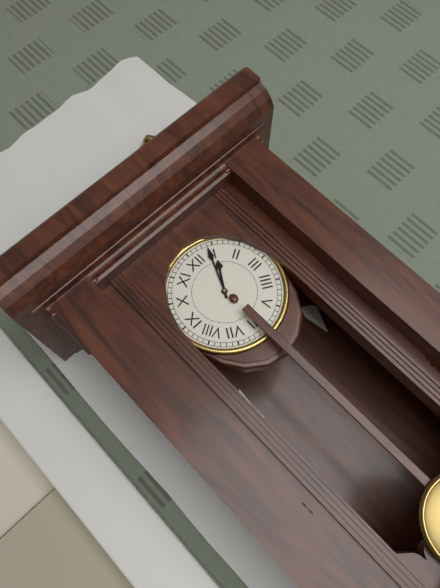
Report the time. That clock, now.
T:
1:04
